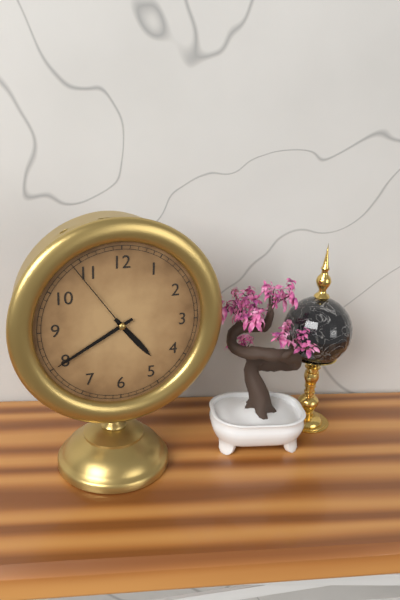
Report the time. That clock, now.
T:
4:40:54
